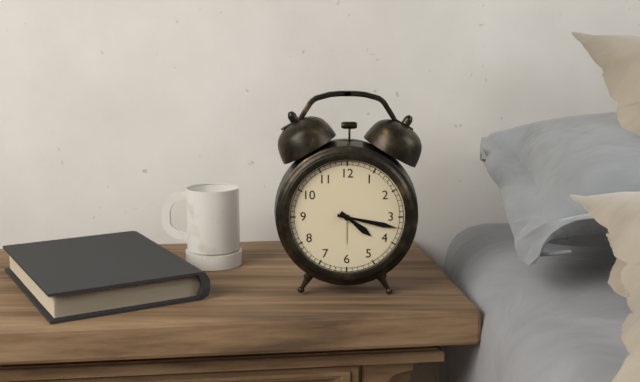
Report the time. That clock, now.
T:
4:17
